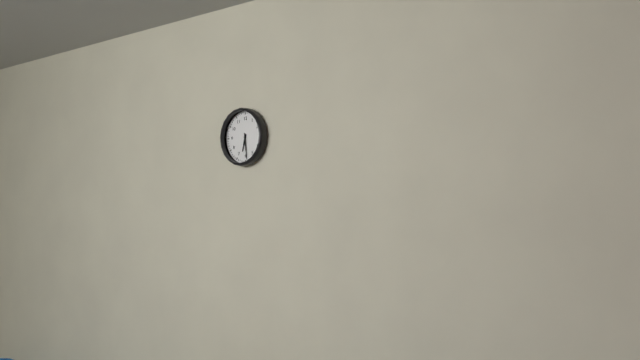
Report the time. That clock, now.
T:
6:29
